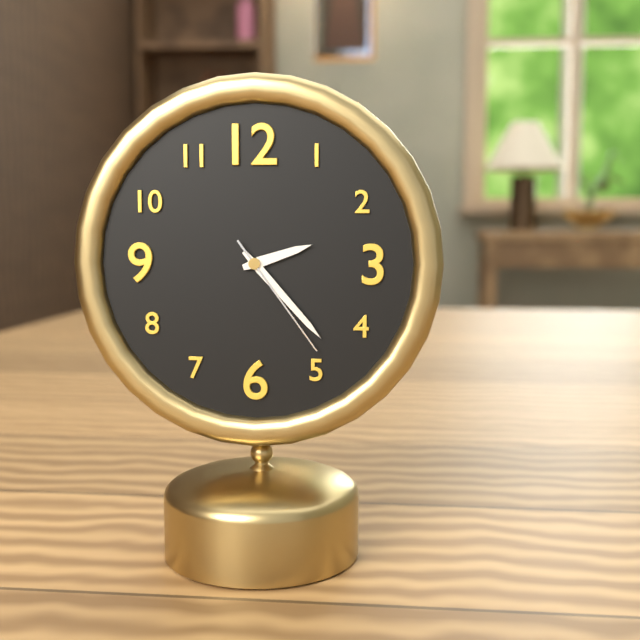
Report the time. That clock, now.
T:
2:23:24
